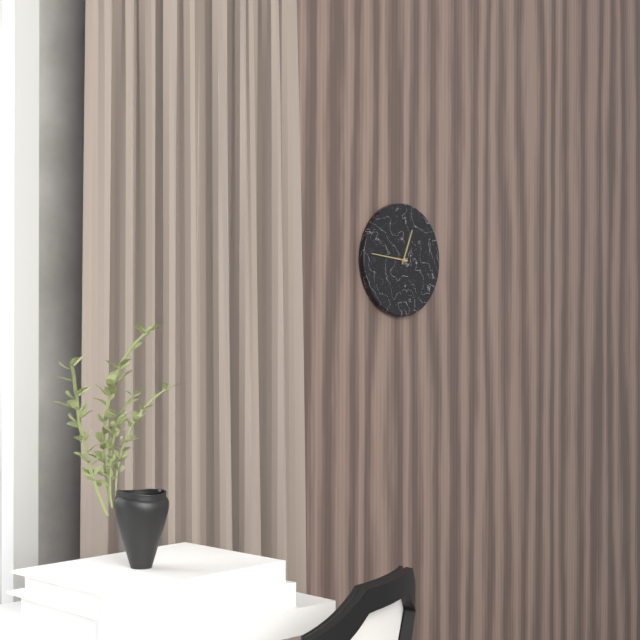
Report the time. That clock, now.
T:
12:46
